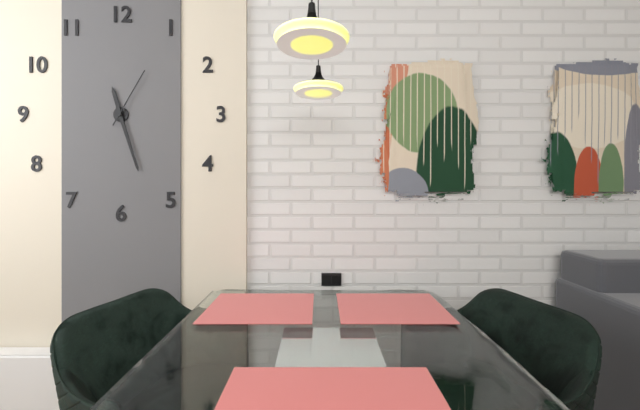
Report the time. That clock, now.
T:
11:27:05
